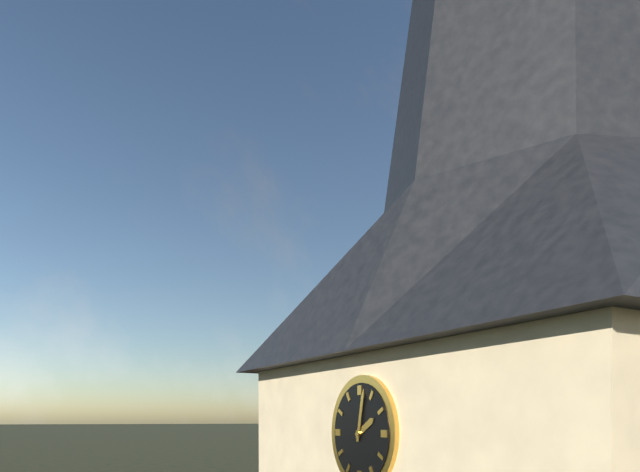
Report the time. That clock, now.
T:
2:02
